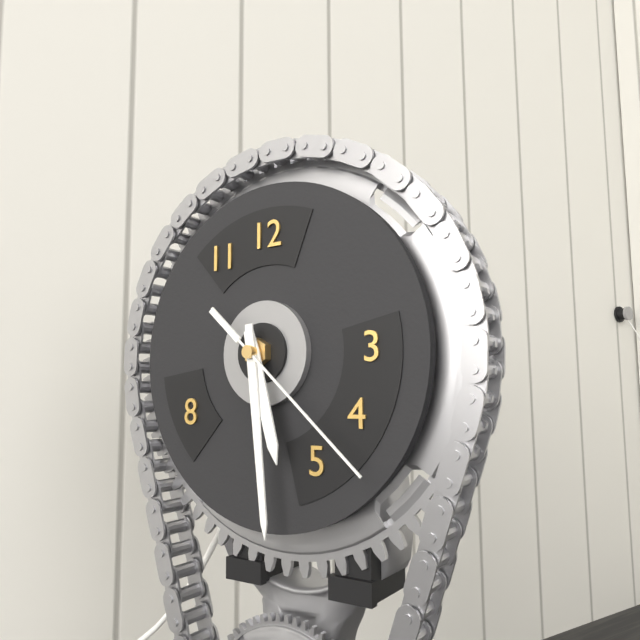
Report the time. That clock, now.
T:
5:29:22
